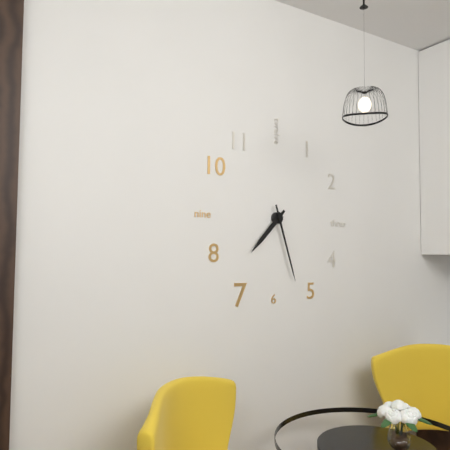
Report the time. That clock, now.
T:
7:27
